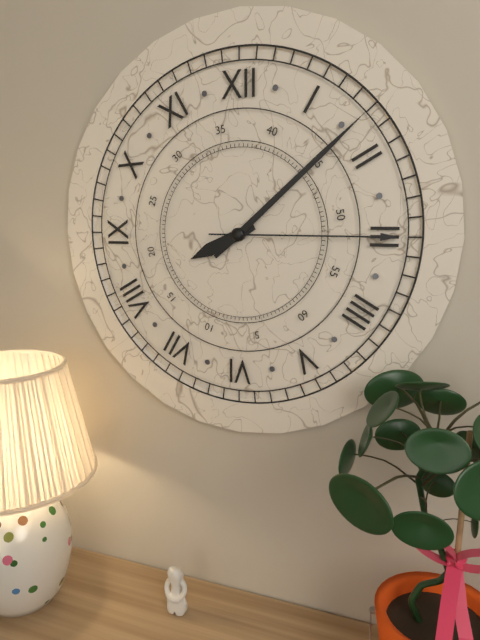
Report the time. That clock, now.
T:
8:08:15
